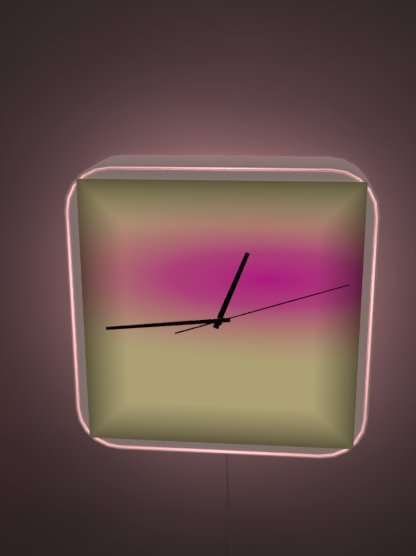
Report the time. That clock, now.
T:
12:44:12
